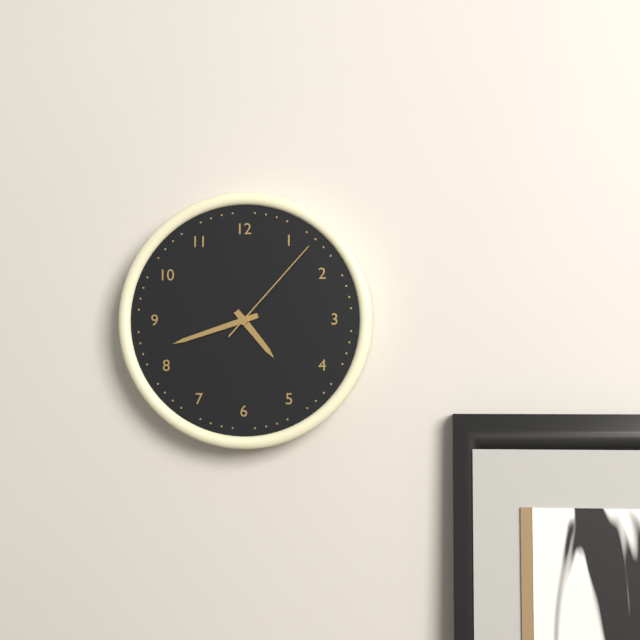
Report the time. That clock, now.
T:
4:42:07
